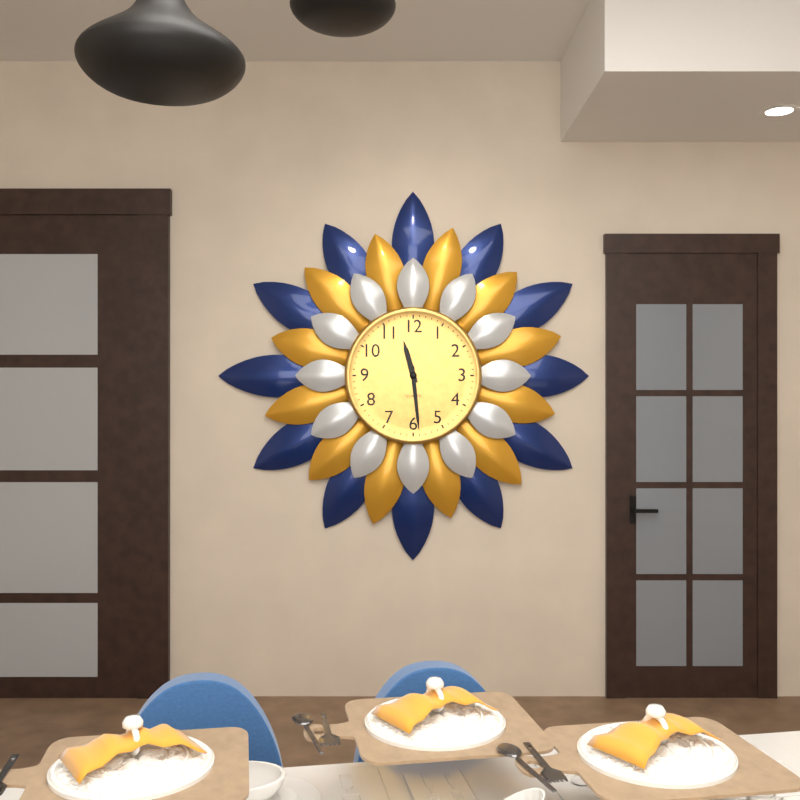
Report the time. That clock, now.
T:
11:29
